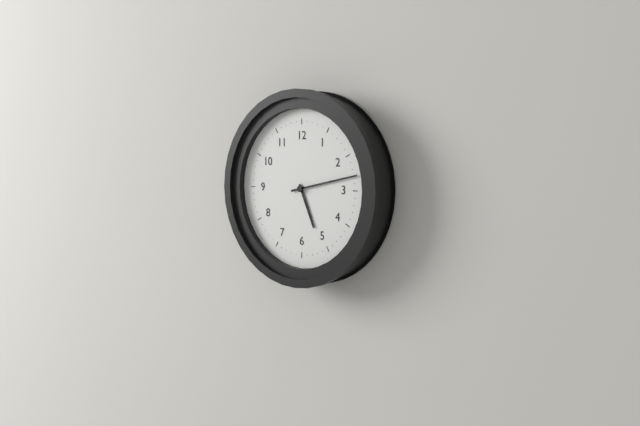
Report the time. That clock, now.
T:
5:13
